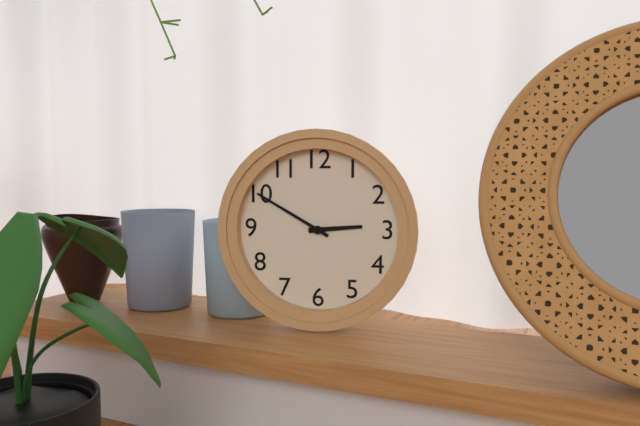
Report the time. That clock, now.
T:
2:50
